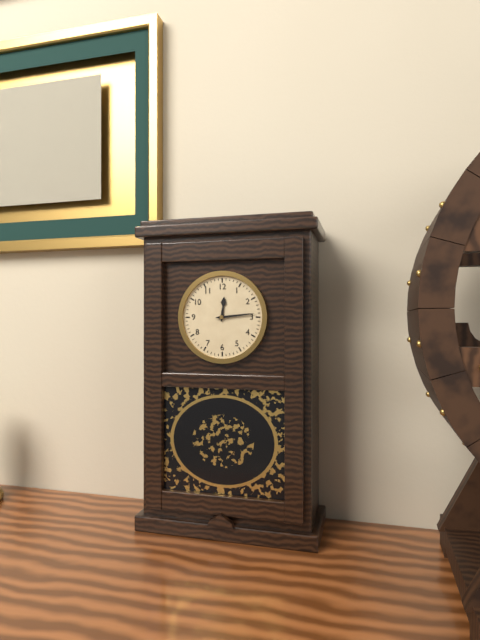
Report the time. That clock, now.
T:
12:14
